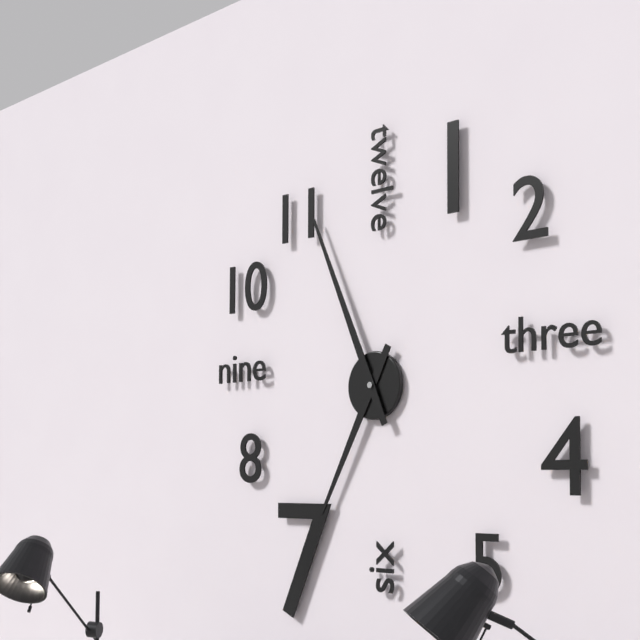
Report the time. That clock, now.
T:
6:56
